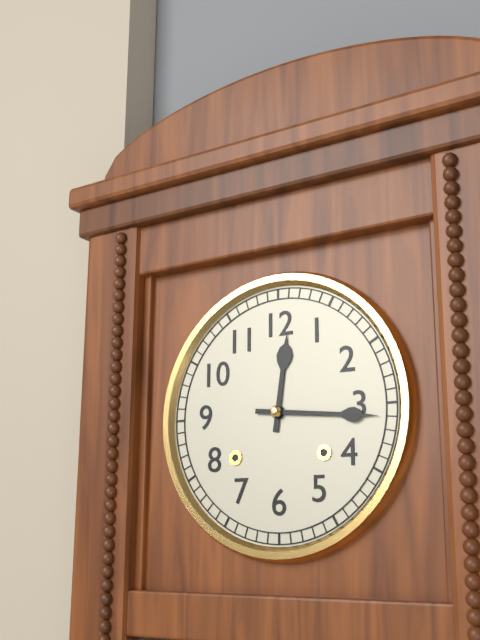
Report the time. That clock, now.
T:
12:16
